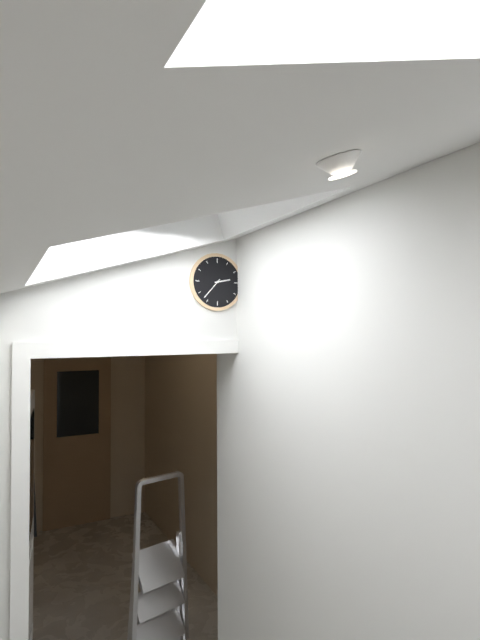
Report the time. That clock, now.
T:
2:37
